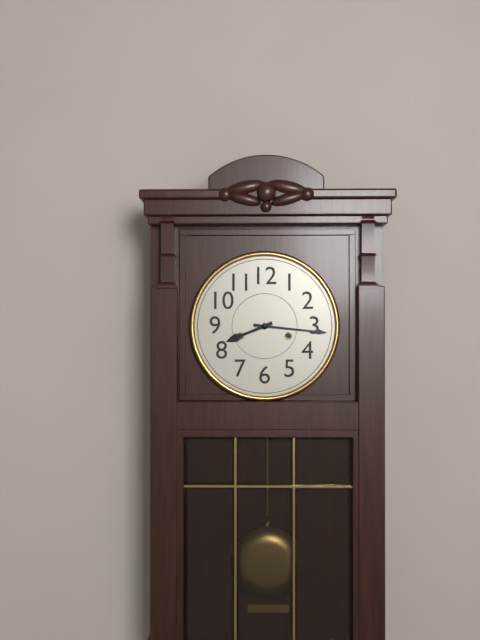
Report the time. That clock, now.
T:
8:16
